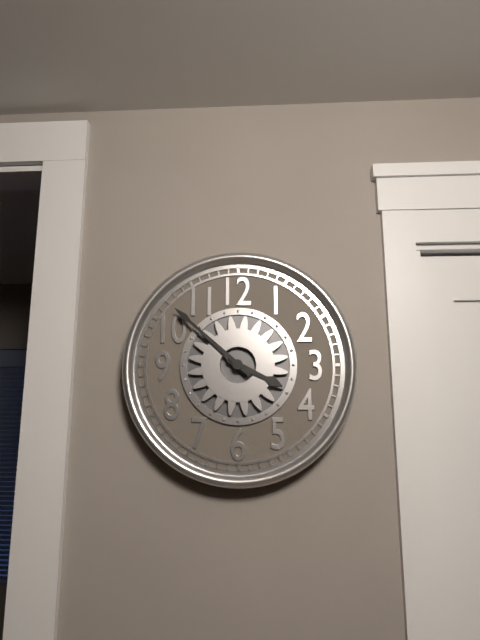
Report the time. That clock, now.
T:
3:52
